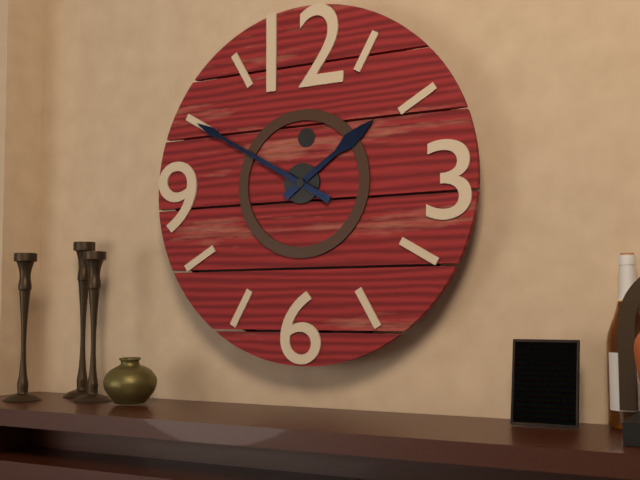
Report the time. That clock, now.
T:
1:50
